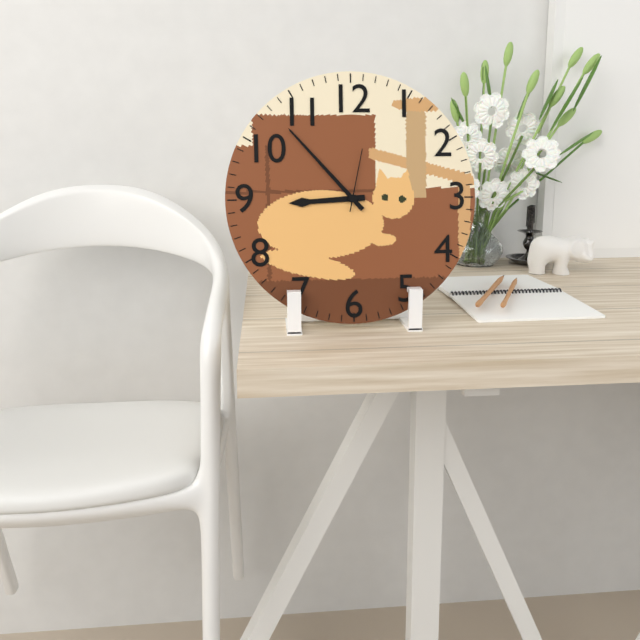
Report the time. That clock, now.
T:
8:53:02
